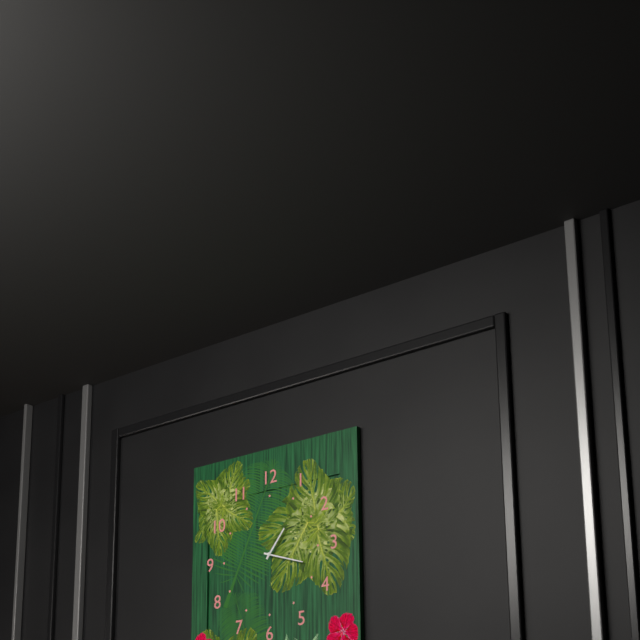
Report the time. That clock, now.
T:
1:18
